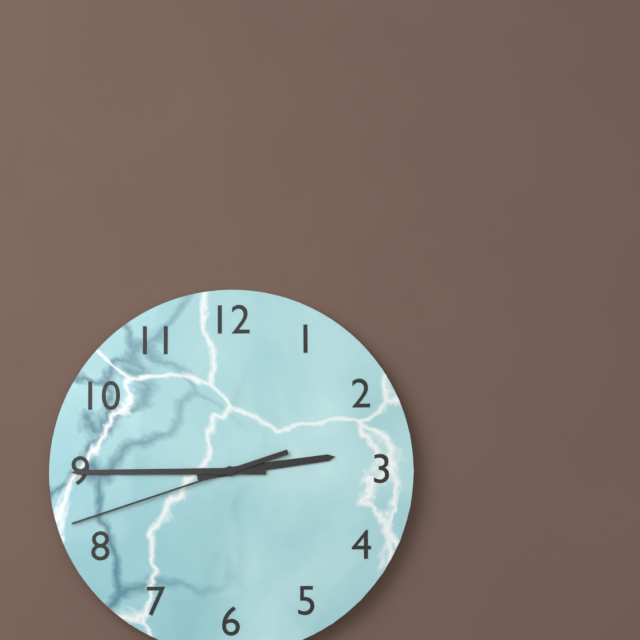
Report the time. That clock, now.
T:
2:45:42
